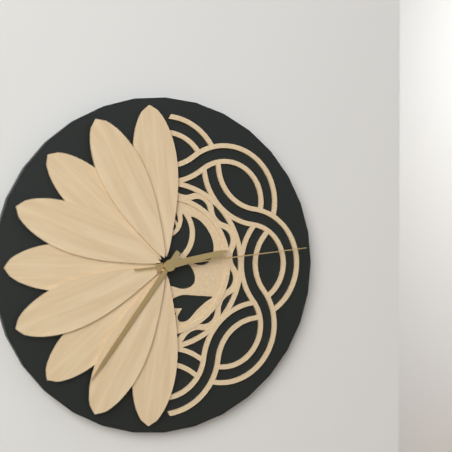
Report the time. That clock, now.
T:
2:36:14
